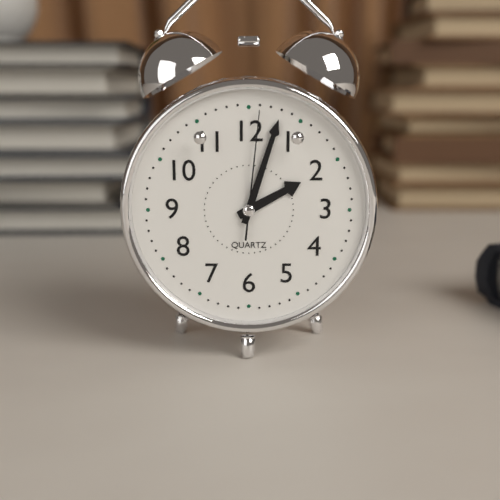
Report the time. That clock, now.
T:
2:03:01
